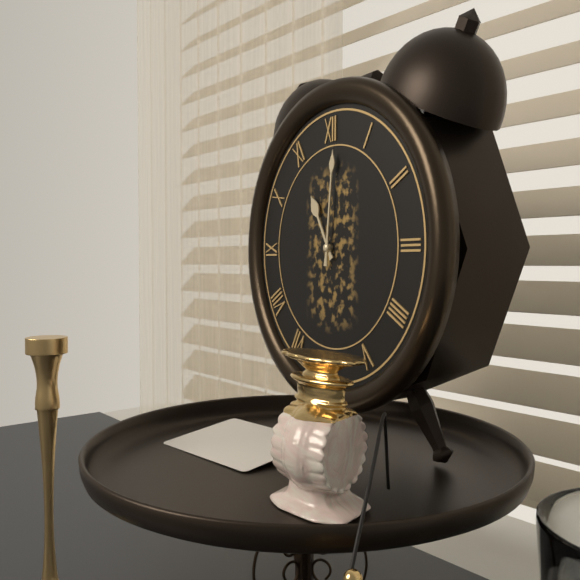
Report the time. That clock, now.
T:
11:01
